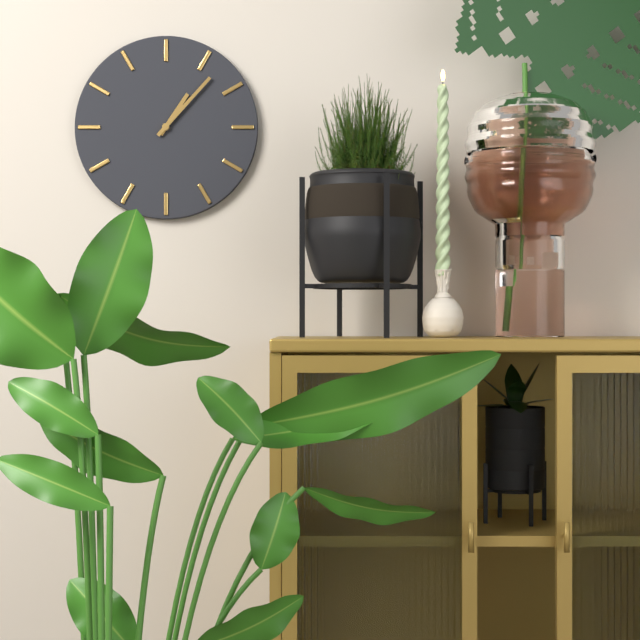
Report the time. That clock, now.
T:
1:07
